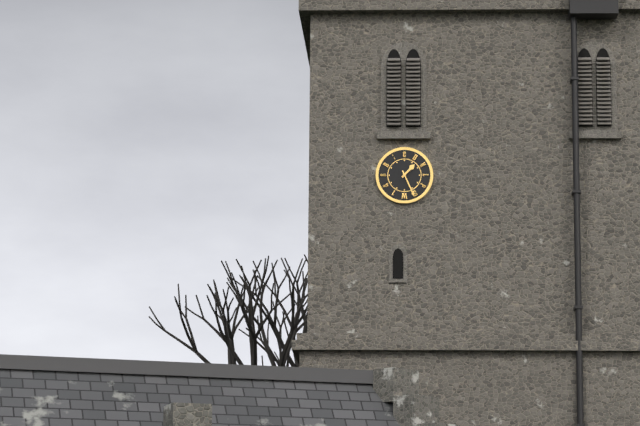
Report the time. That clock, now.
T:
1:26
